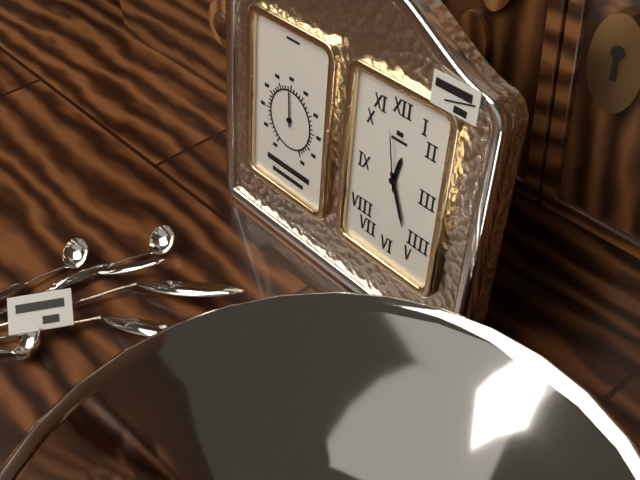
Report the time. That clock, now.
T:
12:26:58
